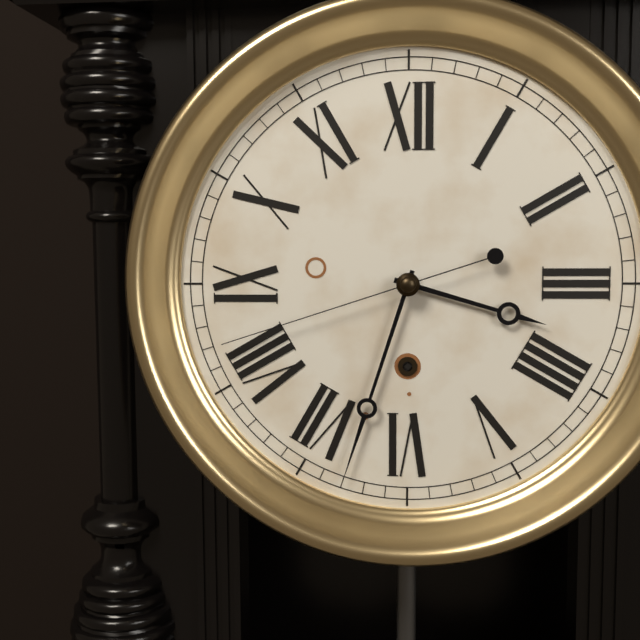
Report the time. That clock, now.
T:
3:33:42
